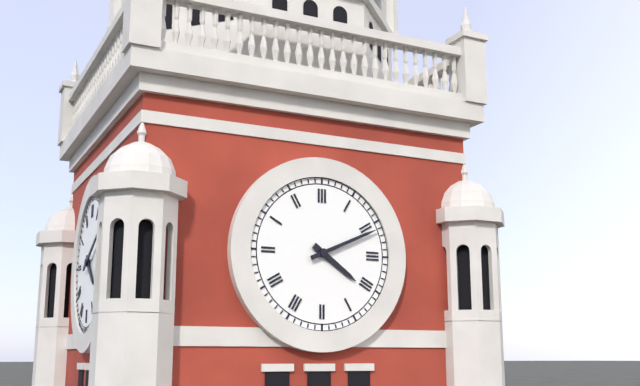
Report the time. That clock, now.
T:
4:11
